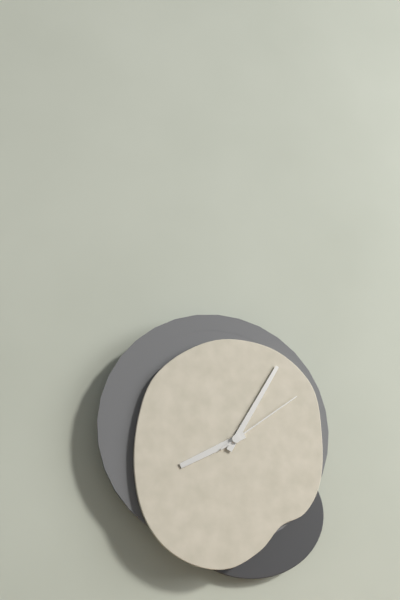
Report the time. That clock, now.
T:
8:05:09
